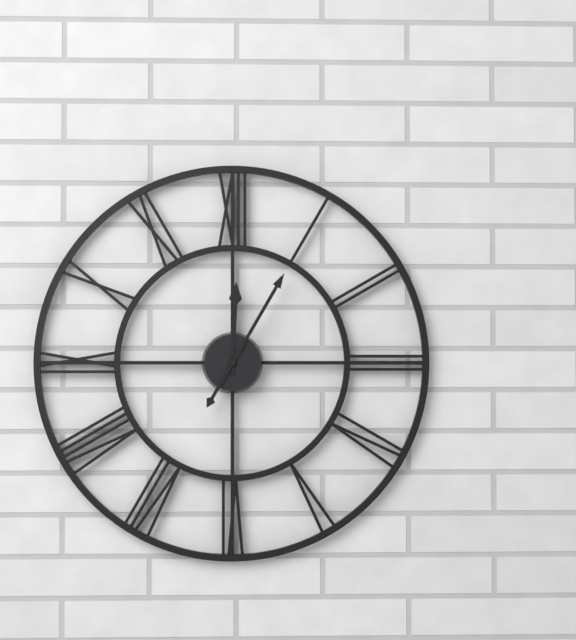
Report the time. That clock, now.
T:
12:05
